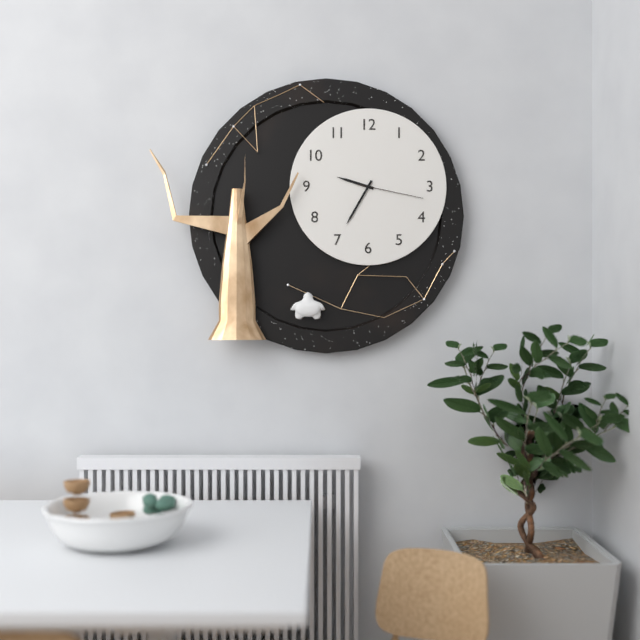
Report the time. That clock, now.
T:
9:35:17
